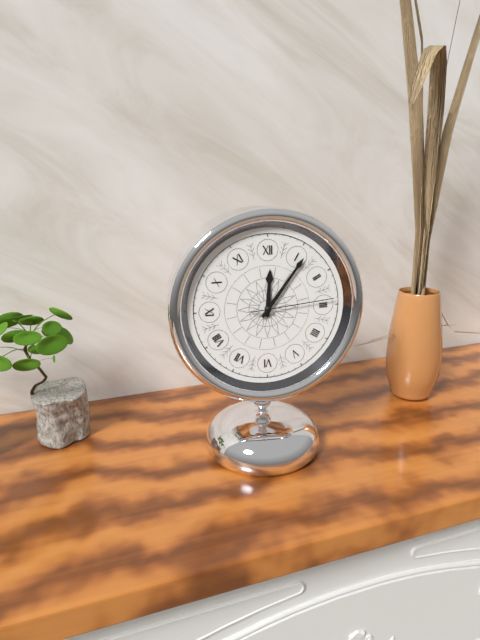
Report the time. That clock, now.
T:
12:06:14
